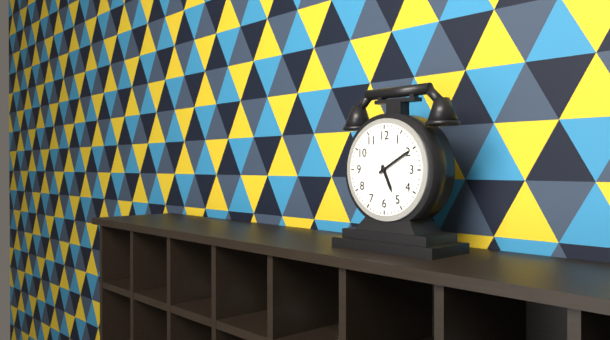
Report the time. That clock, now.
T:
5:10
